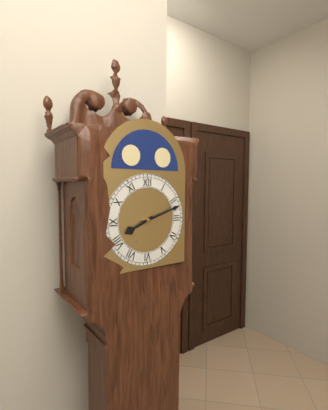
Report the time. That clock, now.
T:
8:12
